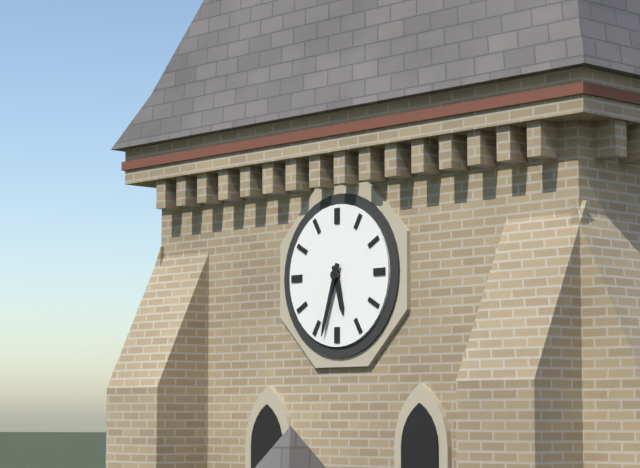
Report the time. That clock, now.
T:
5:33
